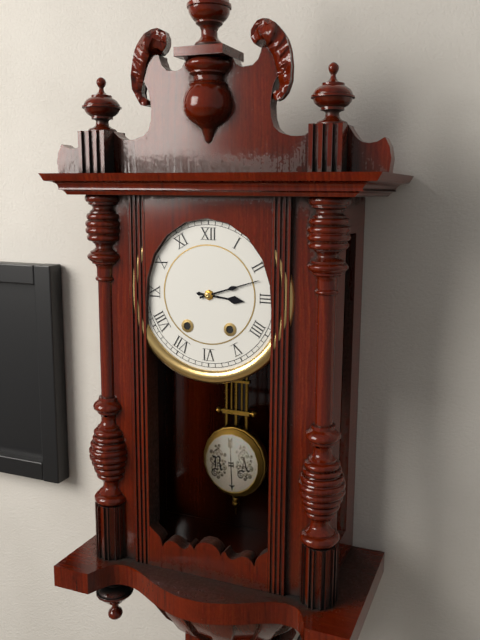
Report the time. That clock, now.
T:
3:12
